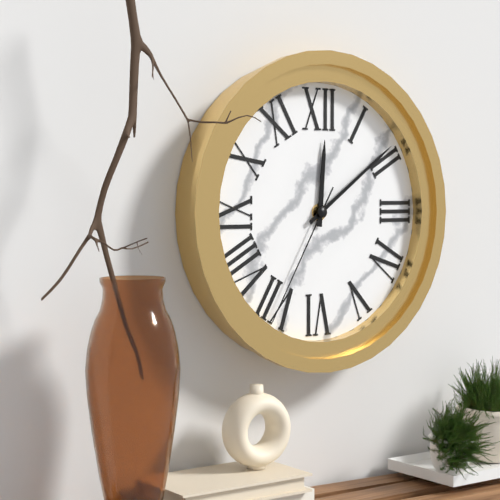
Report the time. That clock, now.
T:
12:09:35
